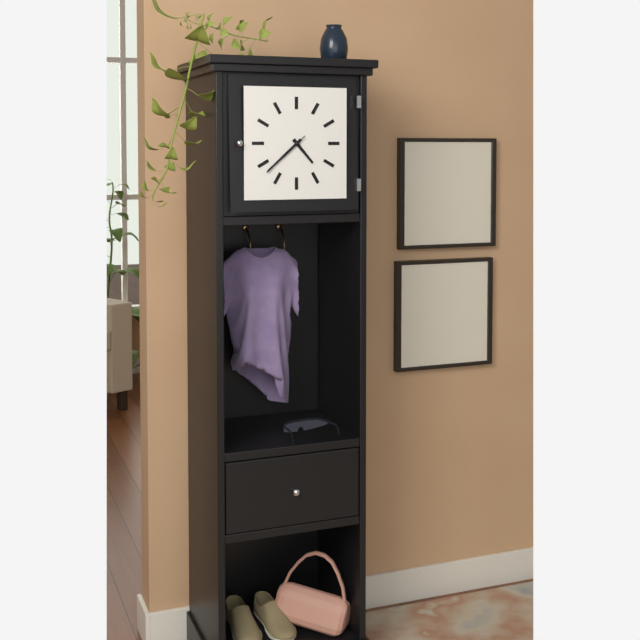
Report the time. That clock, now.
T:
4:38:38
